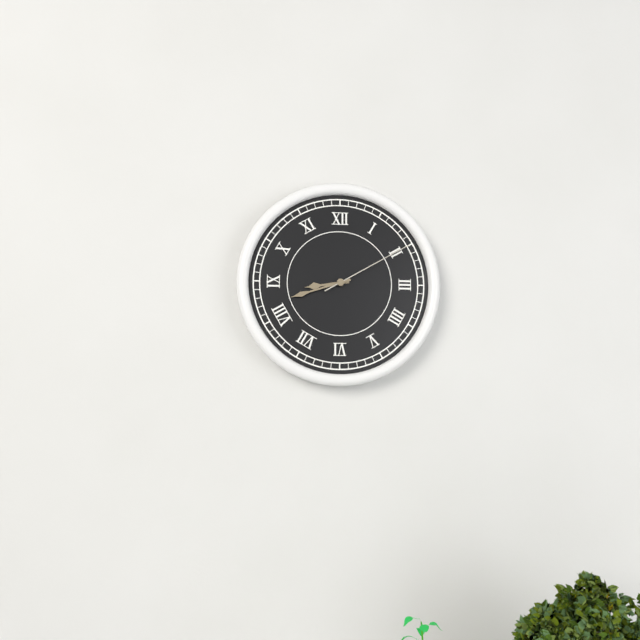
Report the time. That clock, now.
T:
8:42:10
